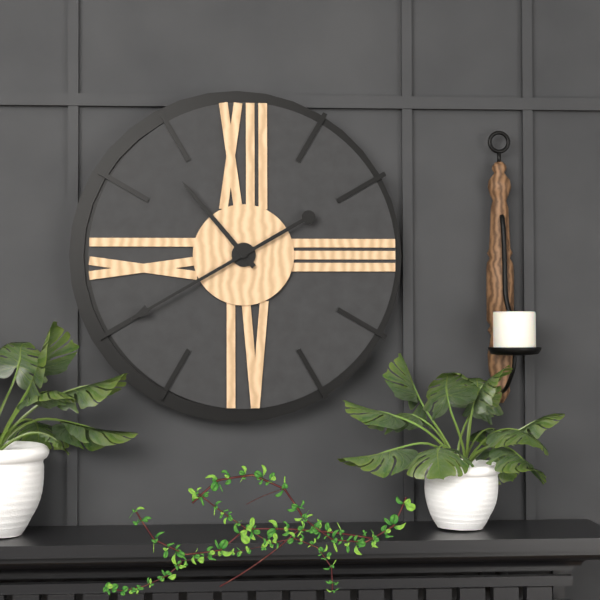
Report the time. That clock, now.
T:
10:40
